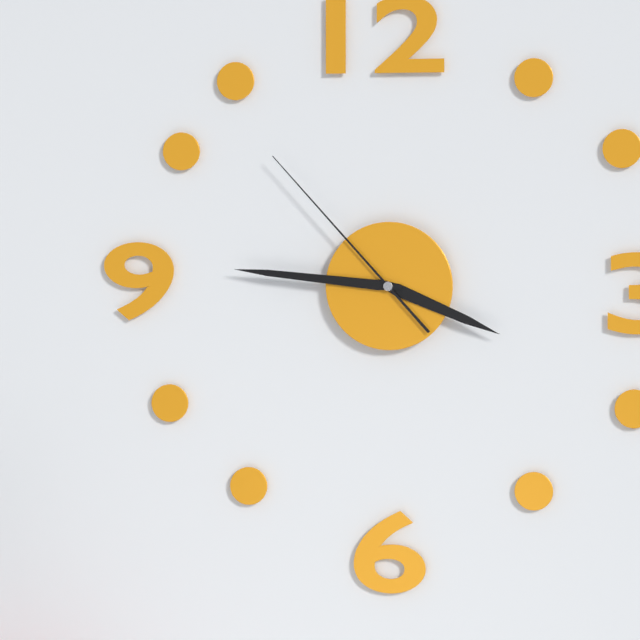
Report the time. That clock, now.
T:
3:46:53
